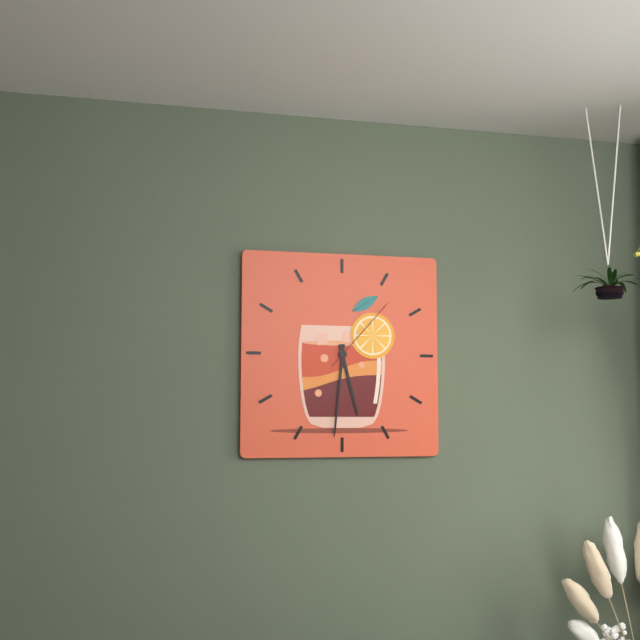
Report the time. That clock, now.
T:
5:31:07
